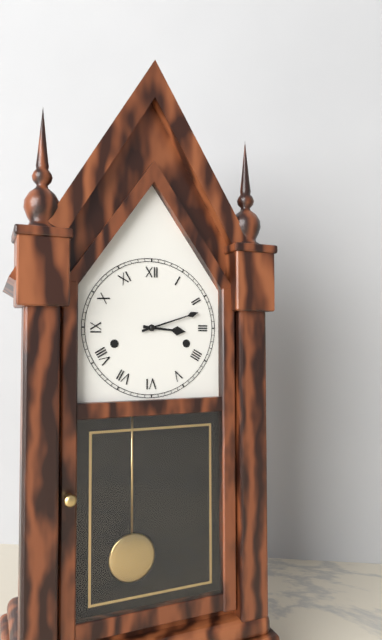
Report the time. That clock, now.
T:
3:12
